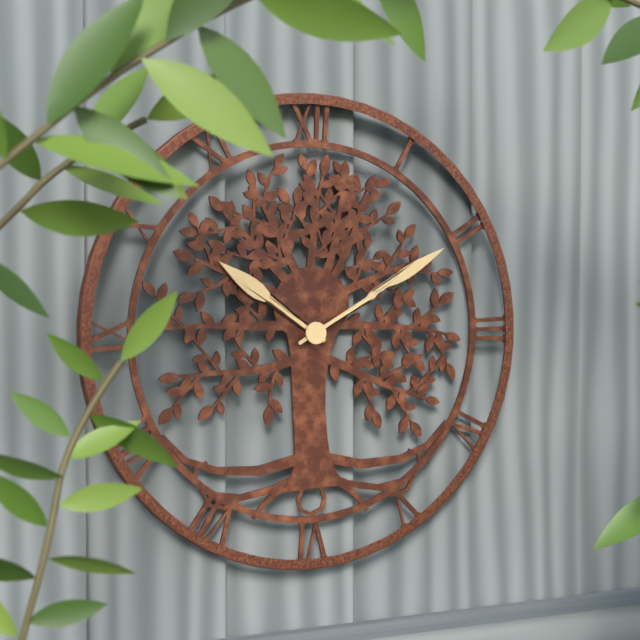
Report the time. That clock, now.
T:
10:10
